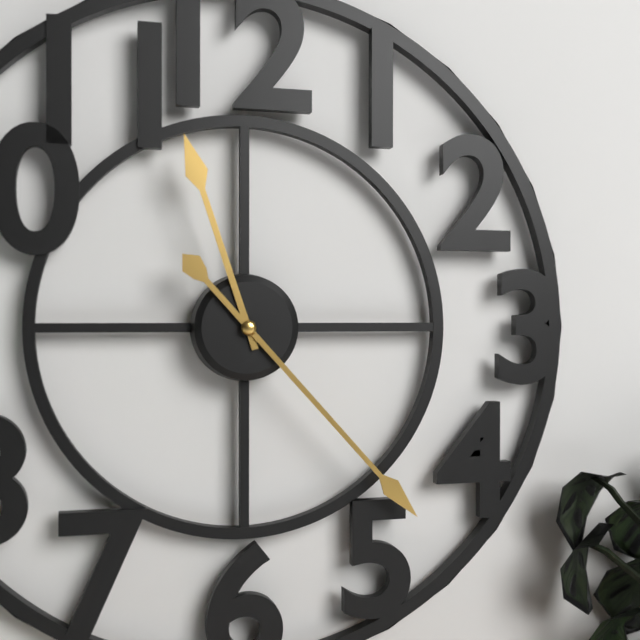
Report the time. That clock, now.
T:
11:23
